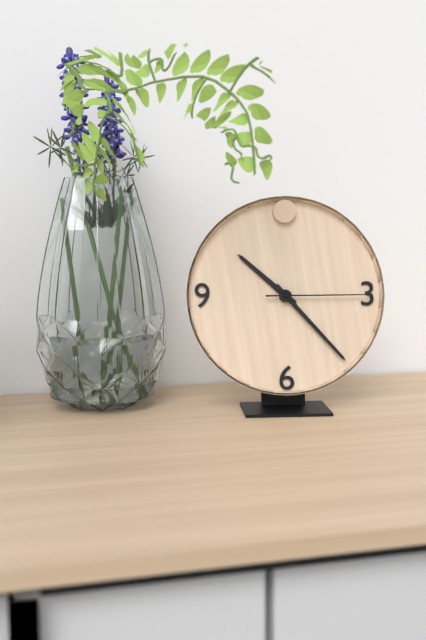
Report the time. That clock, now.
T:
10:23:15
